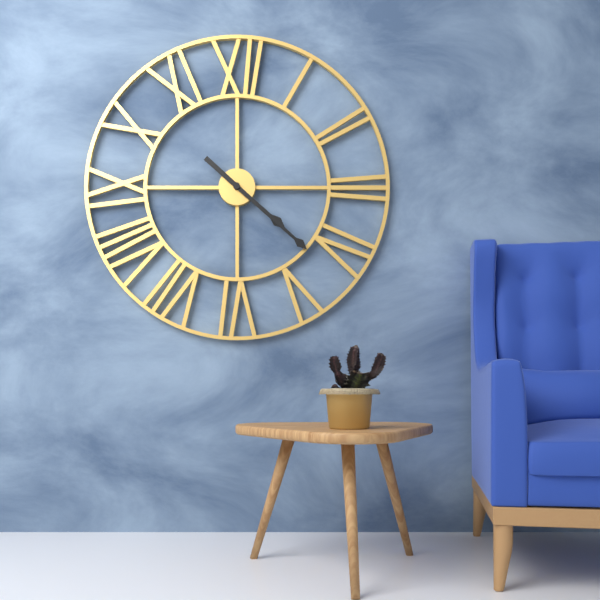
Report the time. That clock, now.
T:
4:22
